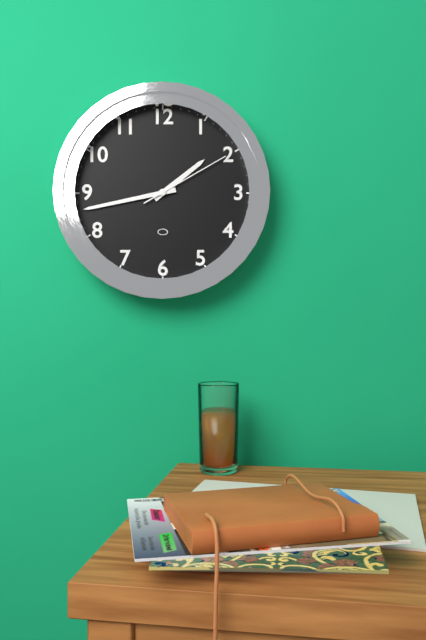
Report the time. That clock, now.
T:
1:43:10
